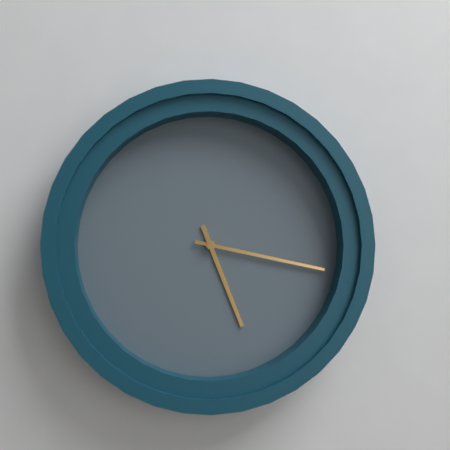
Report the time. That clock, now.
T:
5:17
